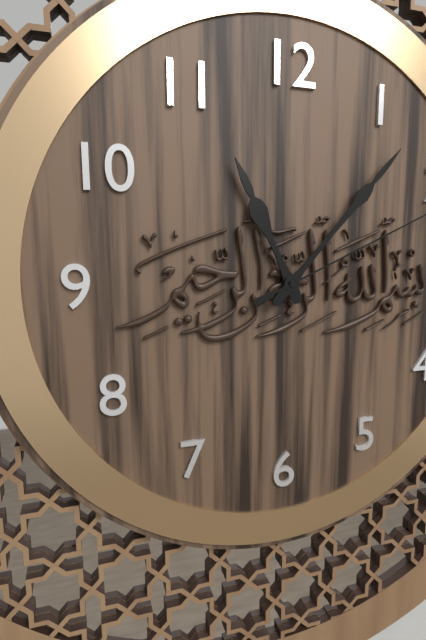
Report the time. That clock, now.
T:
11:07
